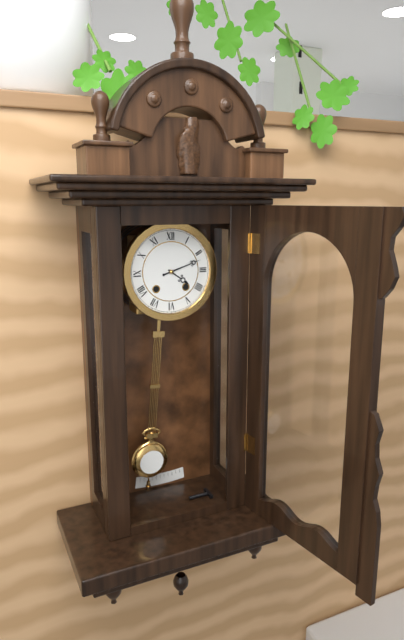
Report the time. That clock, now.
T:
4:12
